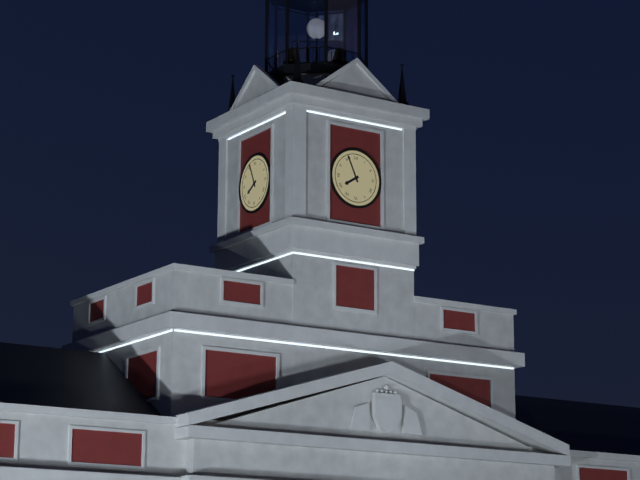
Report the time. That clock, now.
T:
7:56
